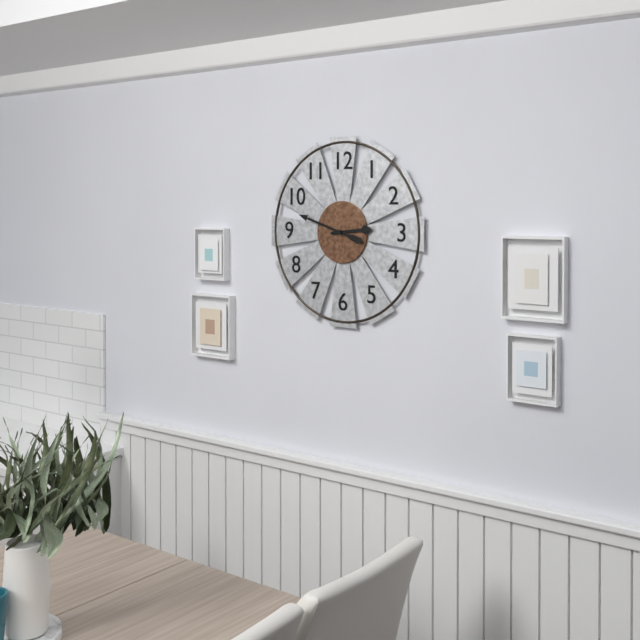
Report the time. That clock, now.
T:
2:48
